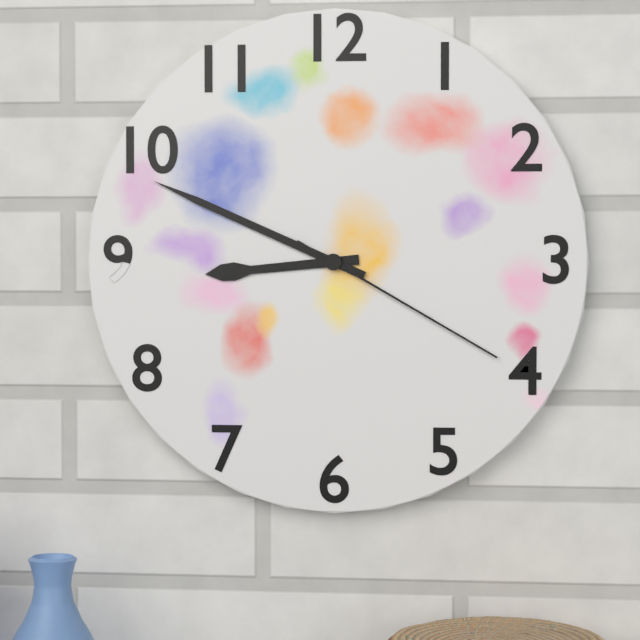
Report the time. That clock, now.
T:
8:49:20
